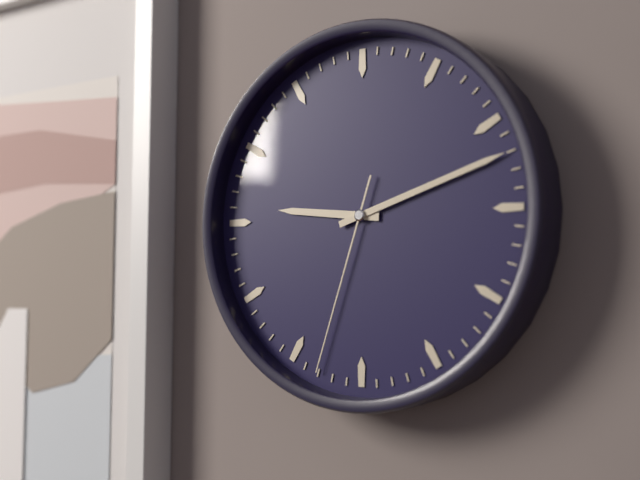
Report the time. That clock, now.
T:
9:12:33
